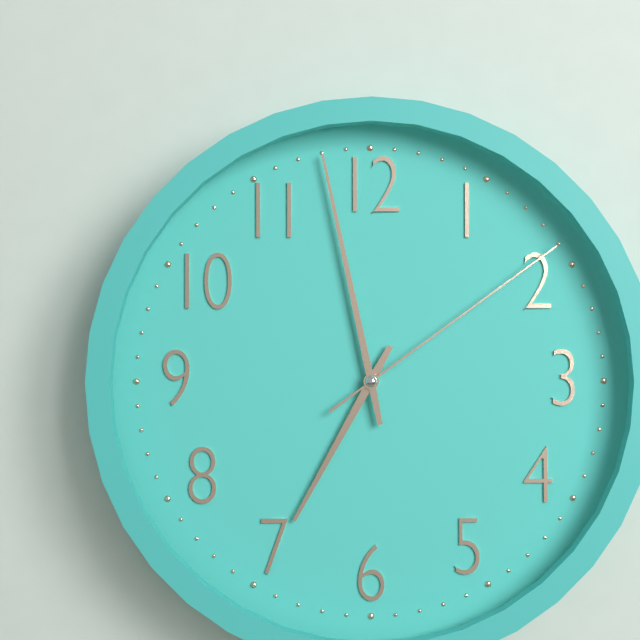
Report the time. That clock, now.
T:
6:58:09
